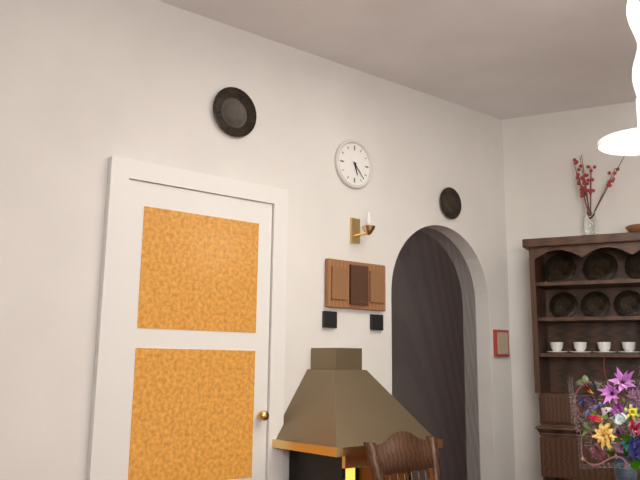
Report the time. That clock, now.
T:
5:23
